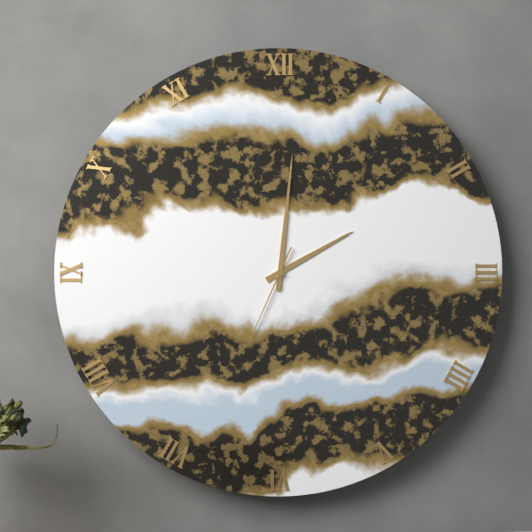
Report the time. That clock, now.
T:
2:01:34
